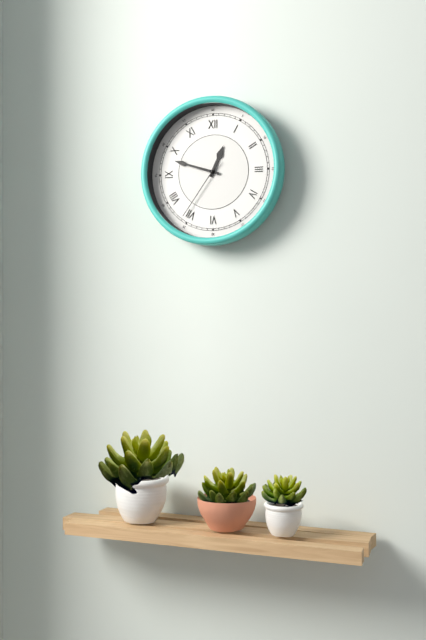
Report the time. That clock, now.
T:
12:48:36
